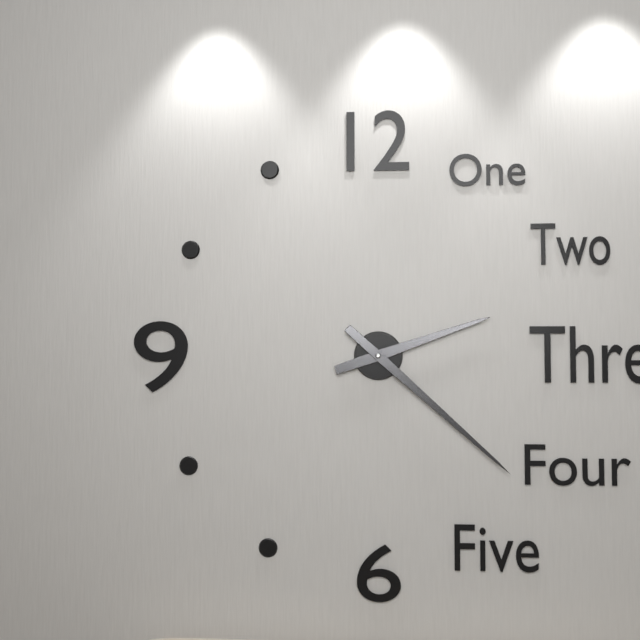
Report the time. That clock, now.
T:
2:22
